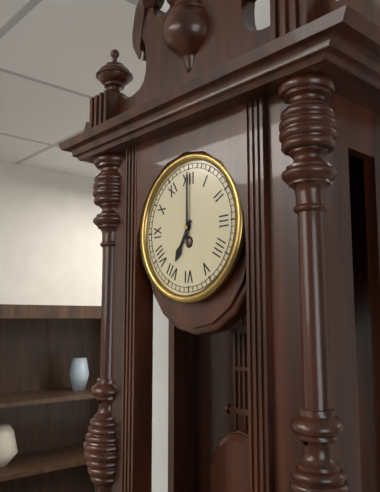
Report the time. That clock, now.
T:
7:00
